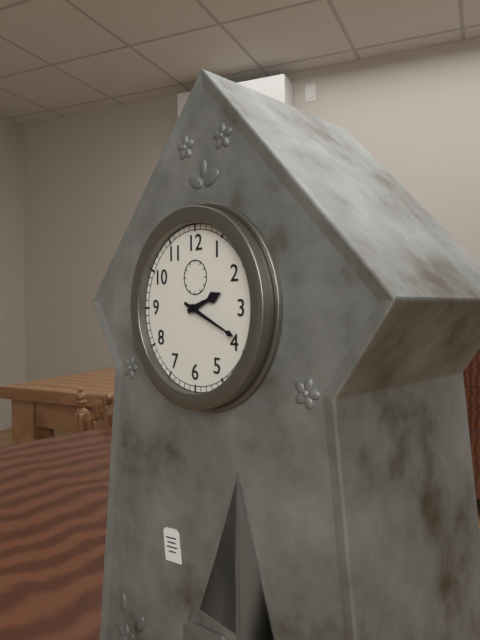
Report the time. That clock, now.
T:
2:19
